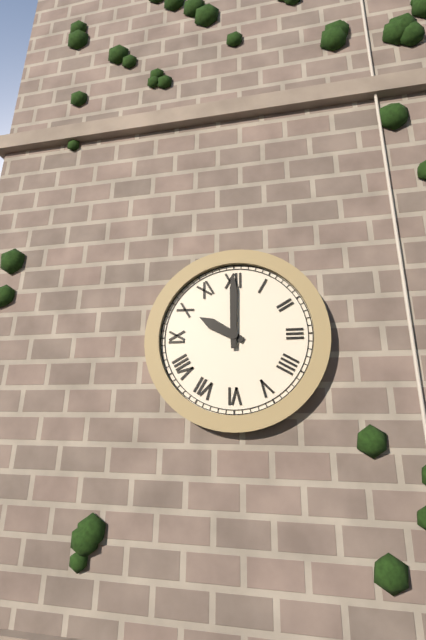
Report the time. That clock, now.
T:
10:00
